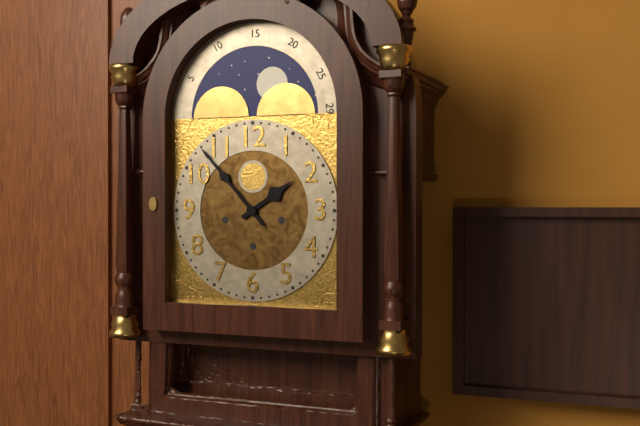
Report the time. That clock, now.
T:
1:53
